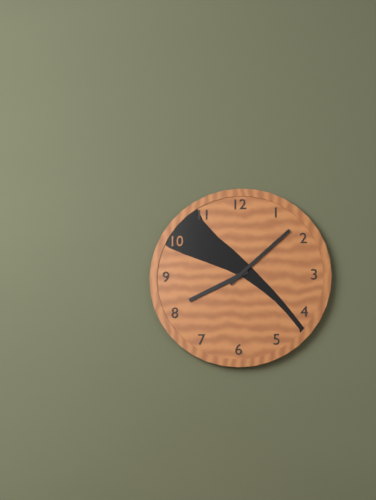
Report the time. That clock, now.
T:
8:08
